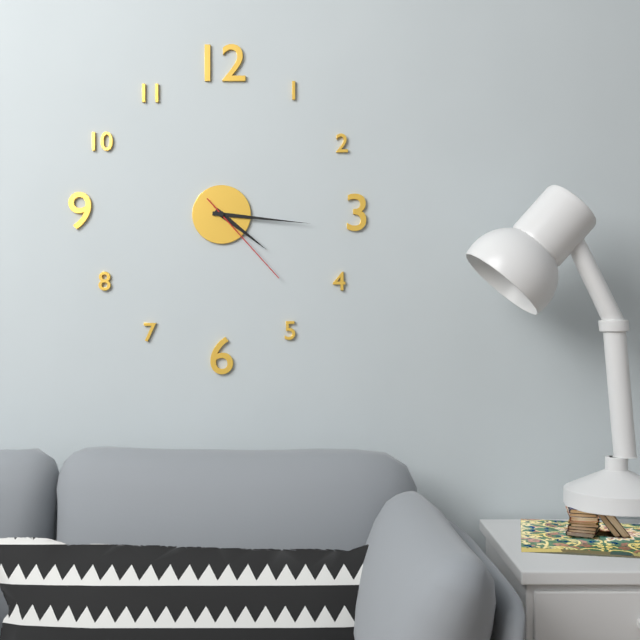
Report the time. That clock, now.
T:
4:16:23
